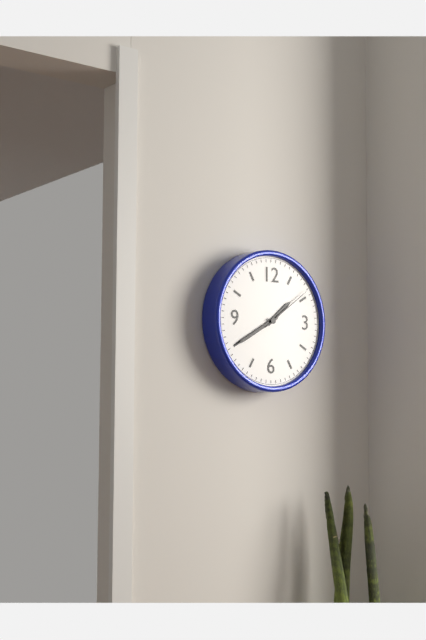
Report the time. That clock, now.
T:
1:40:09
